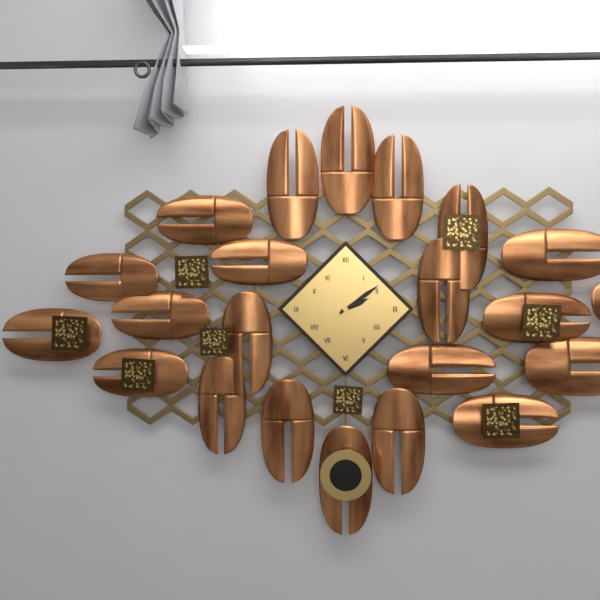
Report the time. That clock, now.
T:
2:09
